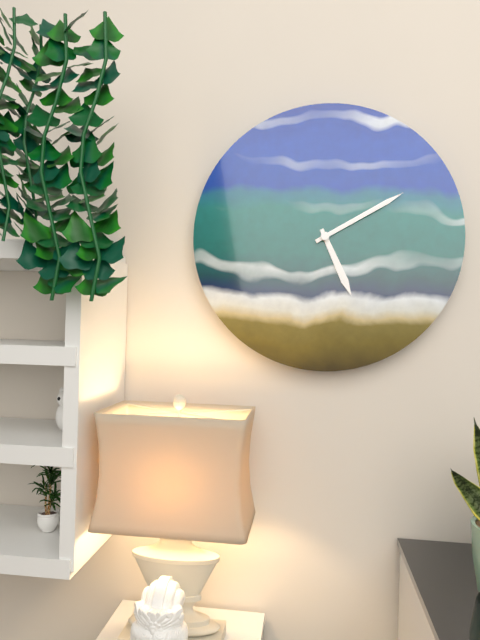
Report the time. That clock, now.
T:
5:10
